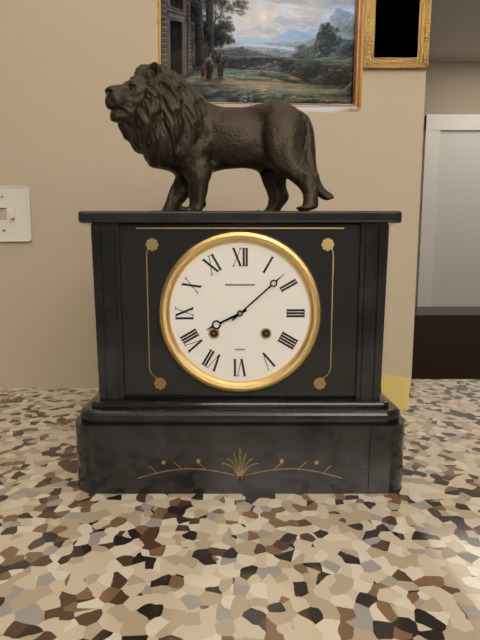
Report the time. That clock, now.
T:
8:08
